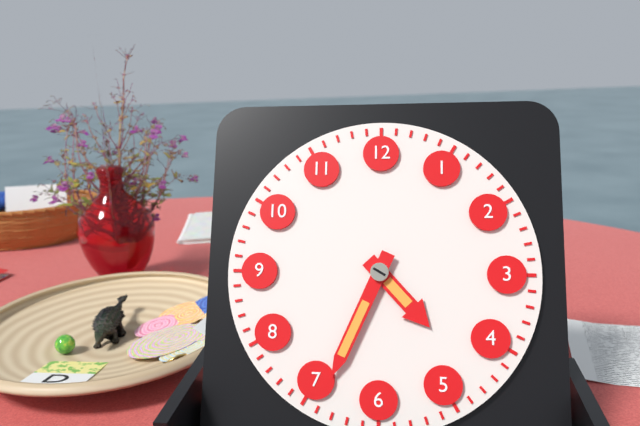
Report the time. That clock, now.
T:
4:34
